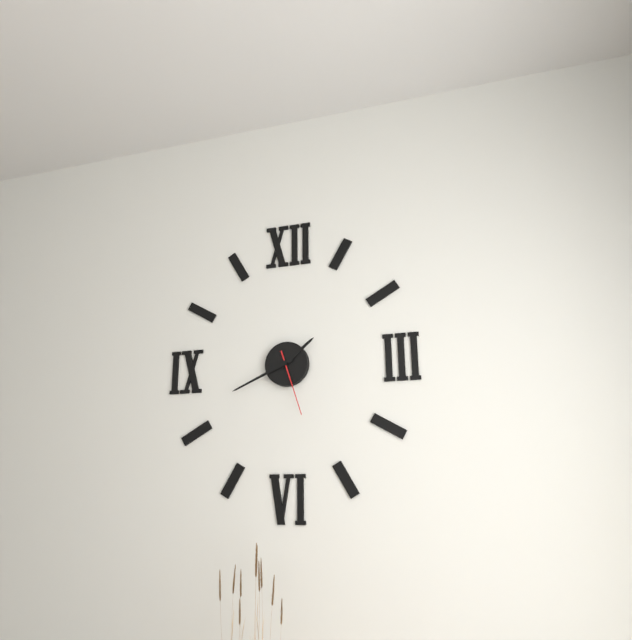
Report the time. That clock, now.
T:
1:41:27
